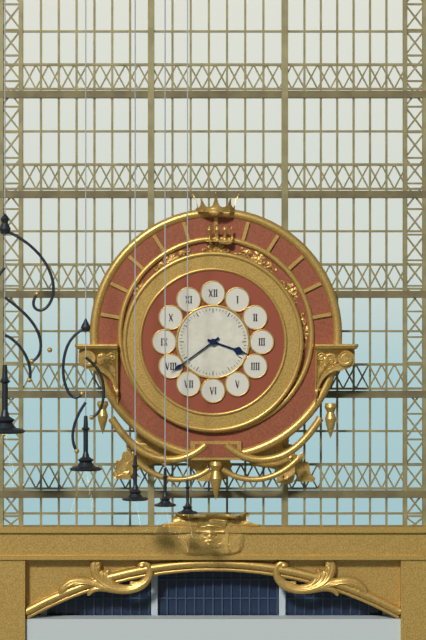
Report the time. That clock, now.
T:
3:39
